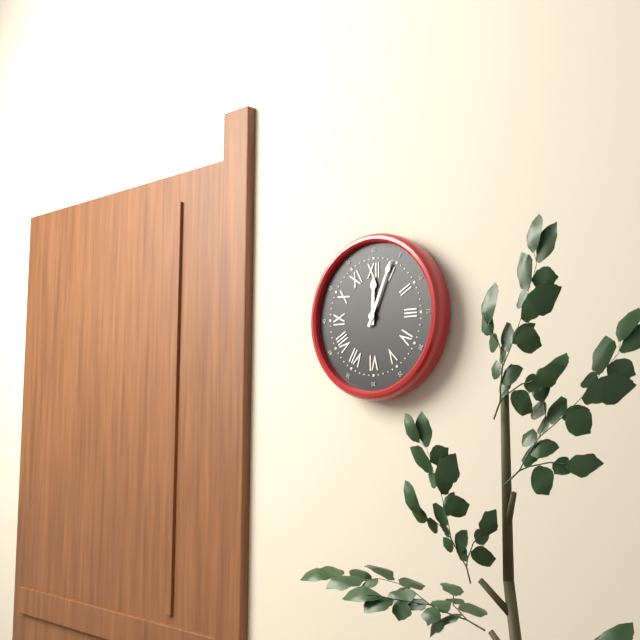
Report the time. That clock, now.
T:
12:04
